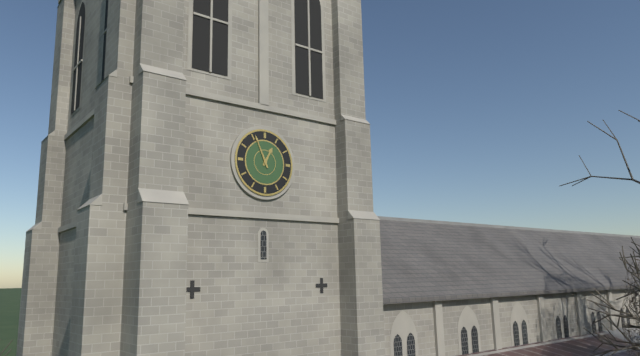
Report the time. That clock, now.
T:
12:56
